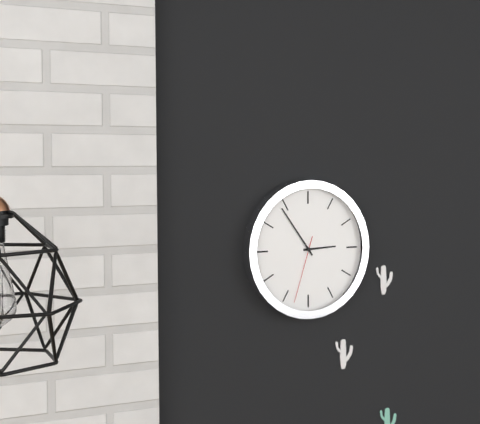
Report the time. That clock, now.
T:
2:54:33
